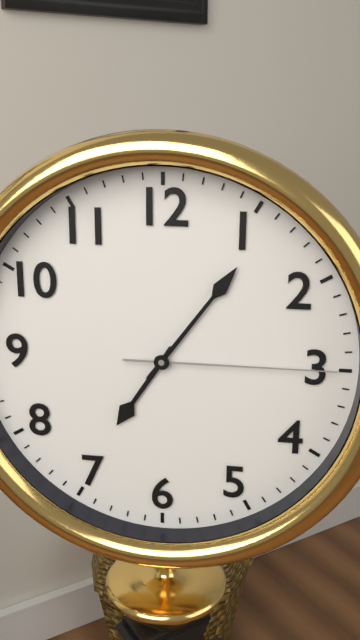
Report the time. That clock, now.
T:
7:06:15
